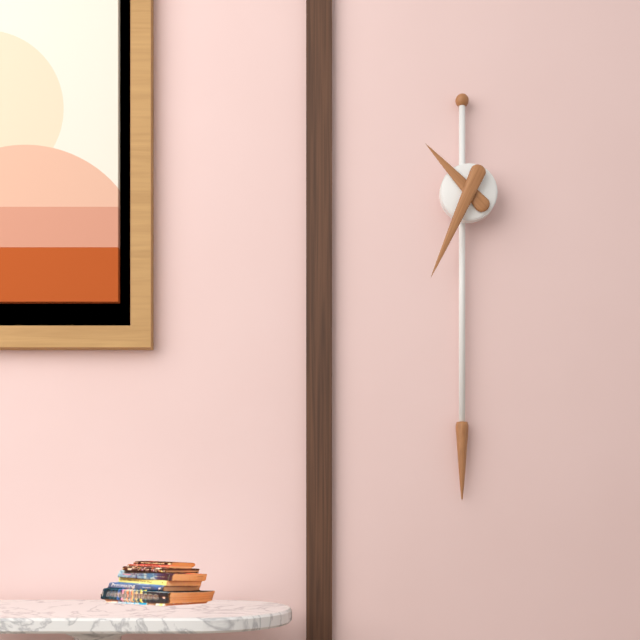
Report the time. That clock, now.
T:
10:34
